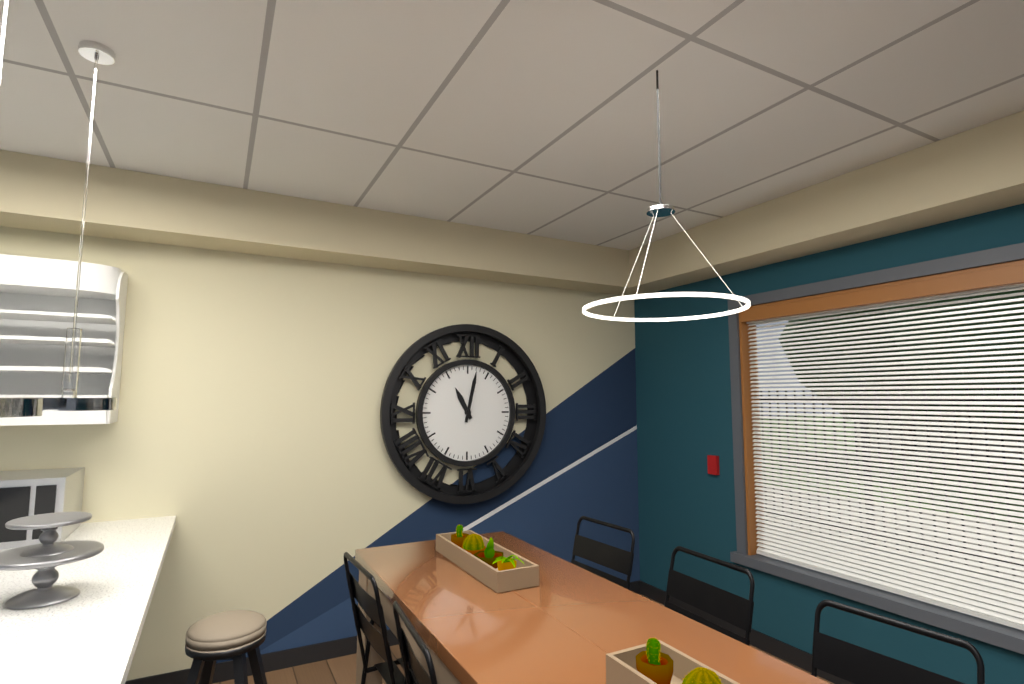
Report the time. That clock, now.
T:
11:02
